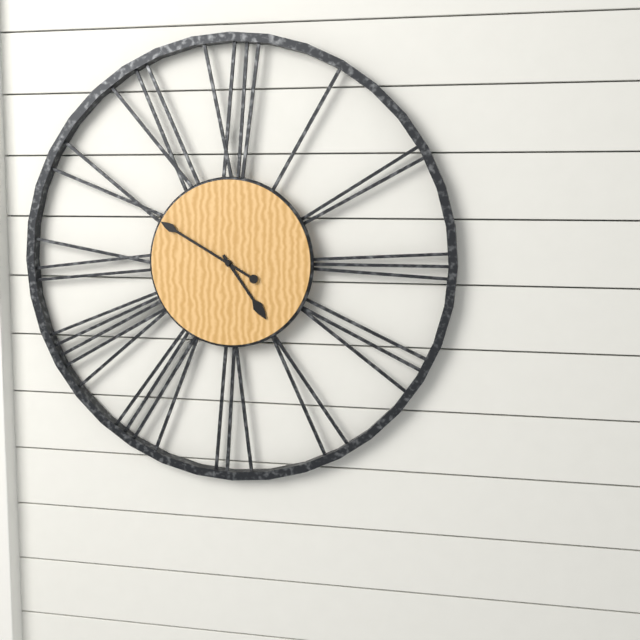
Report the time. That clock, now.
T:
4:50
